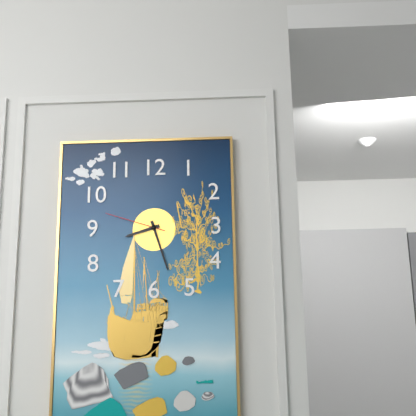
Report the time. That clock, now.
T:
8:27:48
